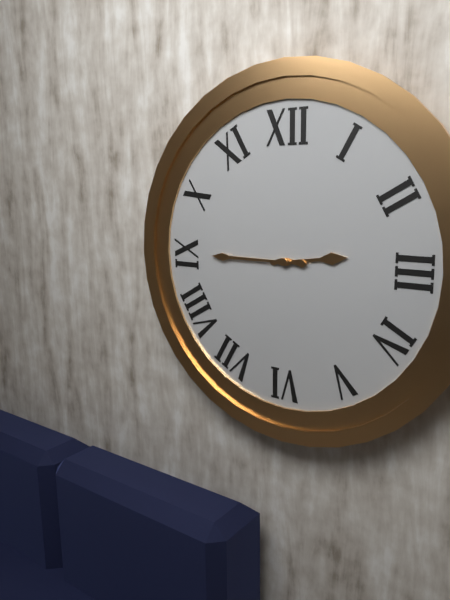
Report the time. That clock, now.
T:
2:45
